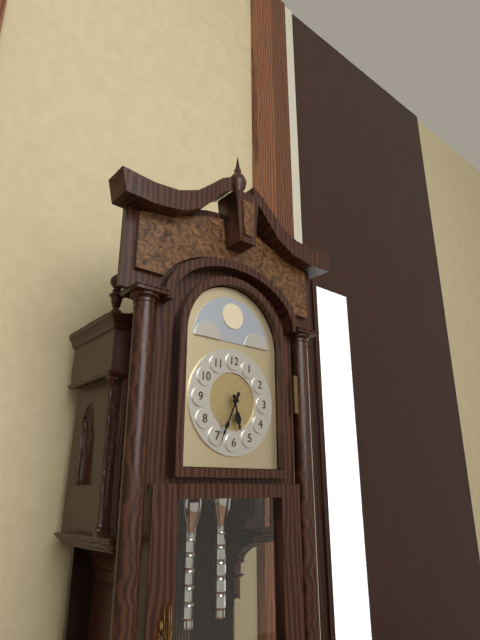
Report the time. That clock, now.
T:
5:34
